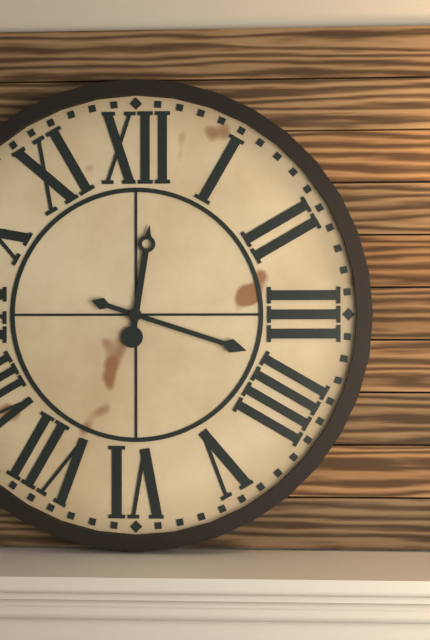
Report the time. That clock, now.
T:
12:18
